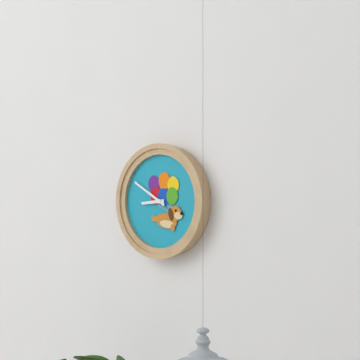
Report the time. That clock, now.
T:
8:50
